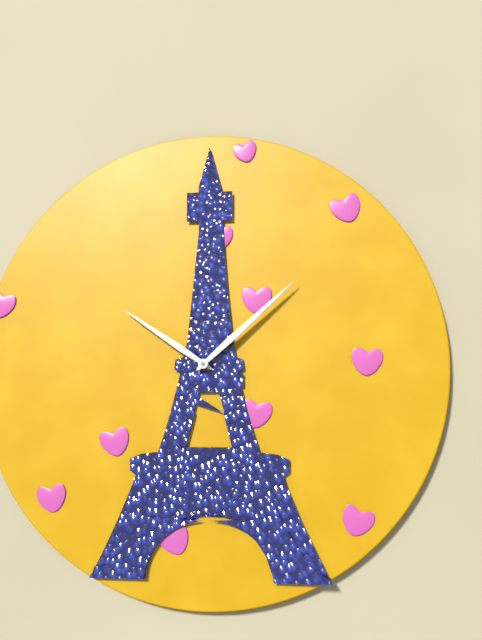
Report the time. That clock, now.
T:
10:08
